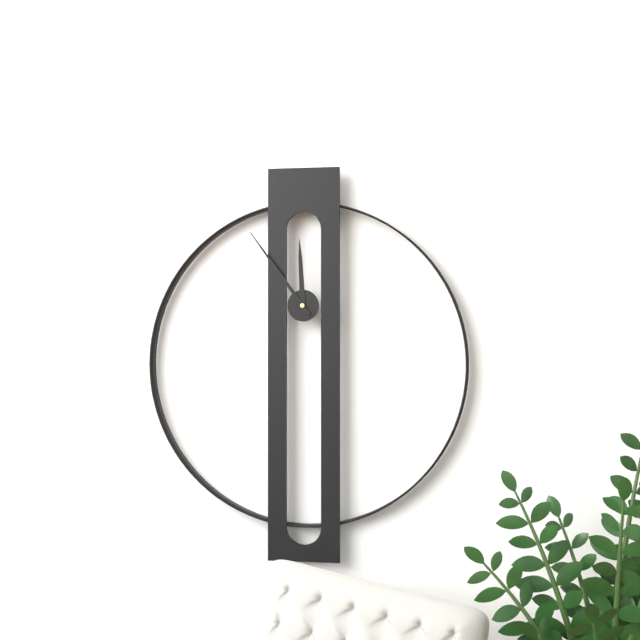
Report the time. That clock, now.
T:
11:54
